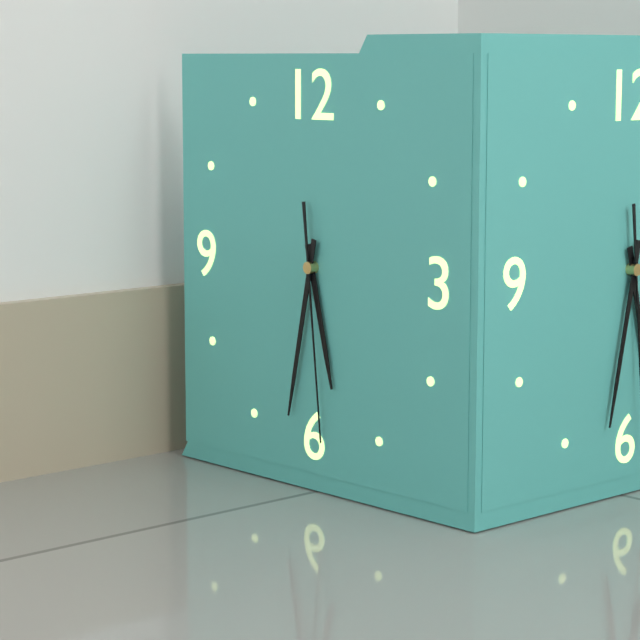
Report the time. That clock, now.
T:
5:32:29
